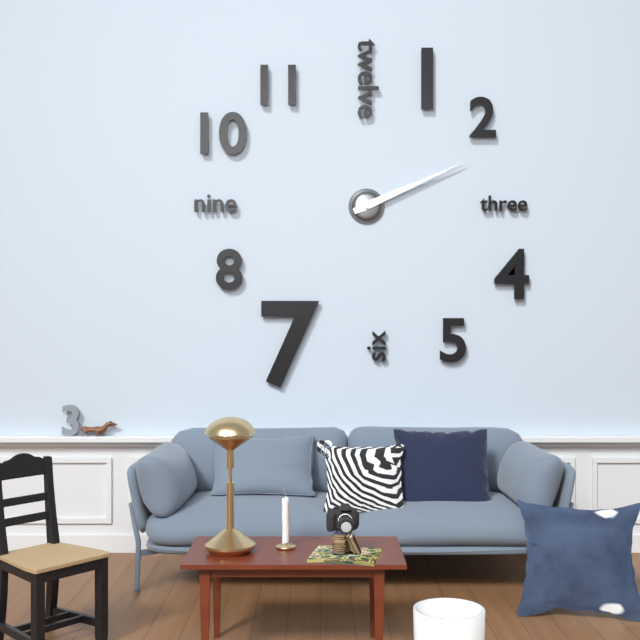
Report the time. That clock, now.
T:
2:11
